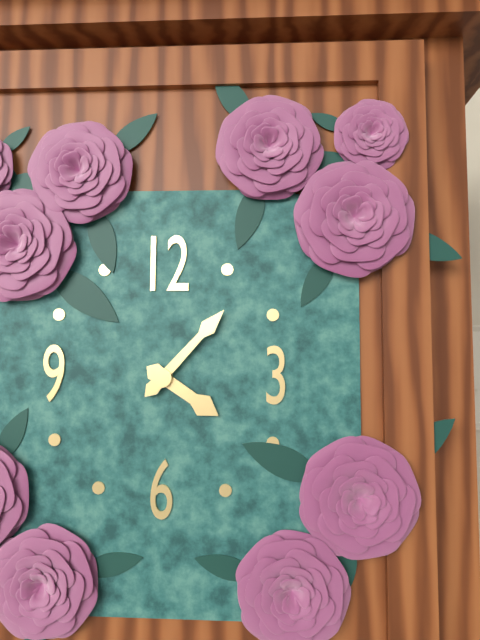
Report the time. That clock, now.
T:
4:07
